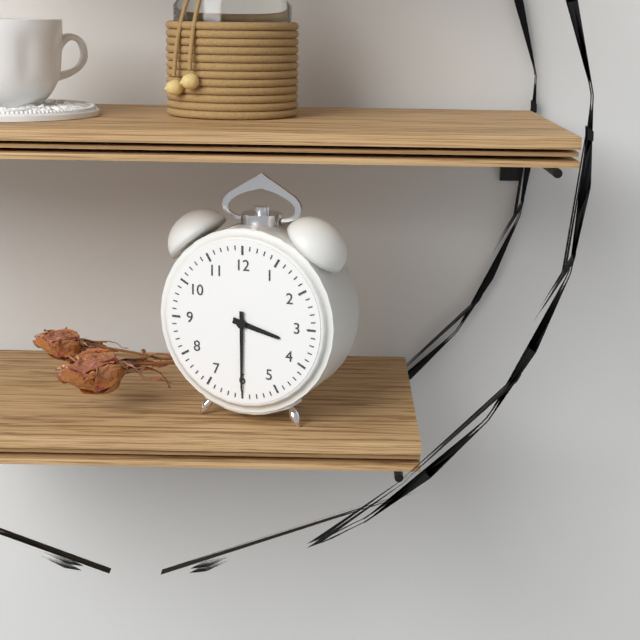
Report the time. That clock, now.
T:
3:30
